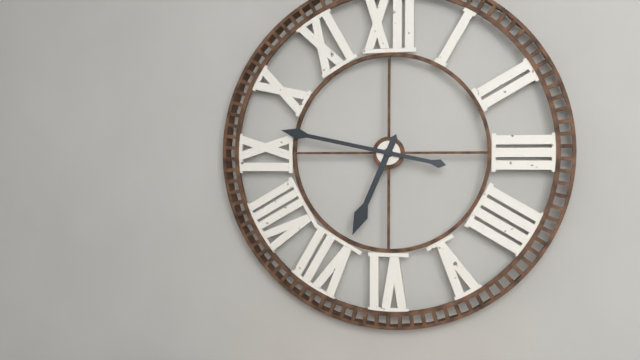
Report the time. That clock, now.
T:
6:47
